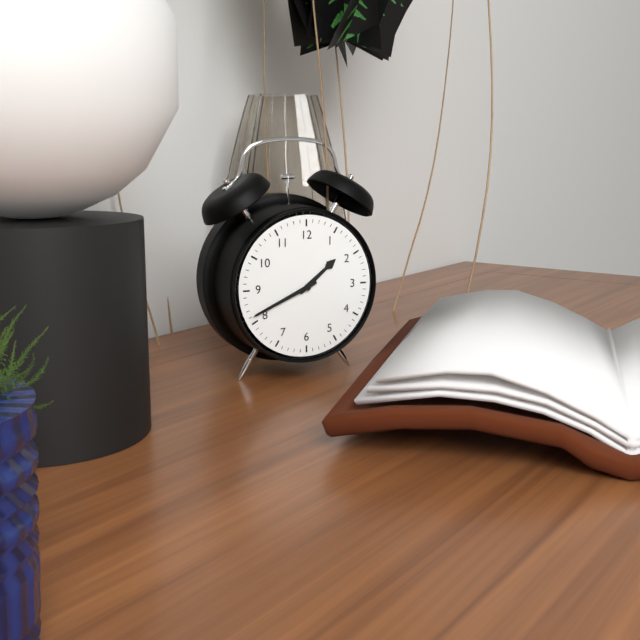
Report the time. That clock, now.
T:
1:41
